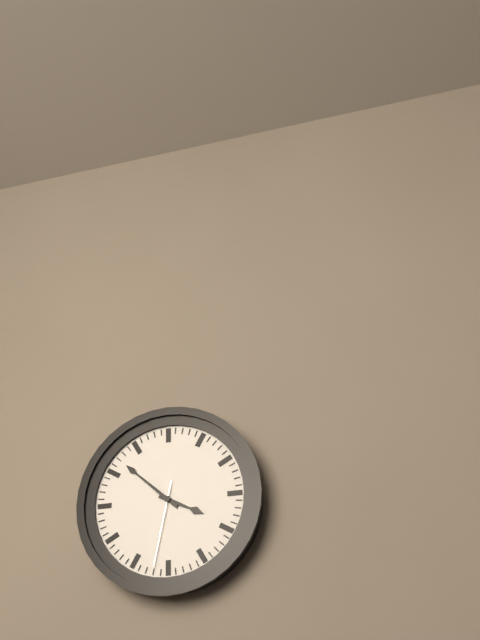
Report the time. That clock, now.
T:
3:52:32
